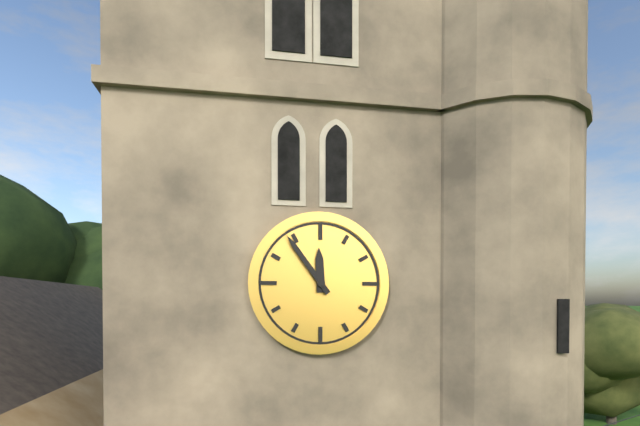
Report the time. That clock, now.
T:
11:54
